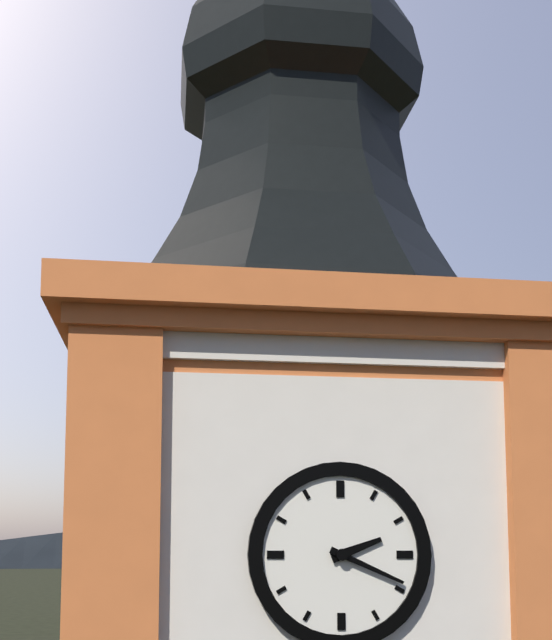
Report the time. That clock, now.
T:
2:19
